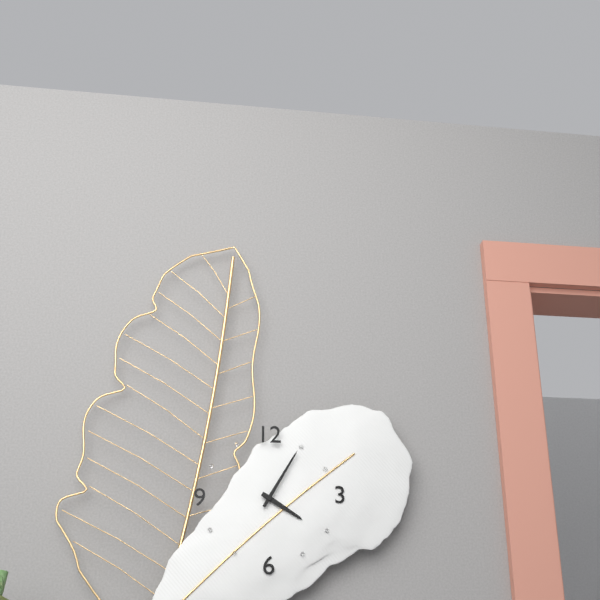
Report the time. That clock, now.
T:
4:05
